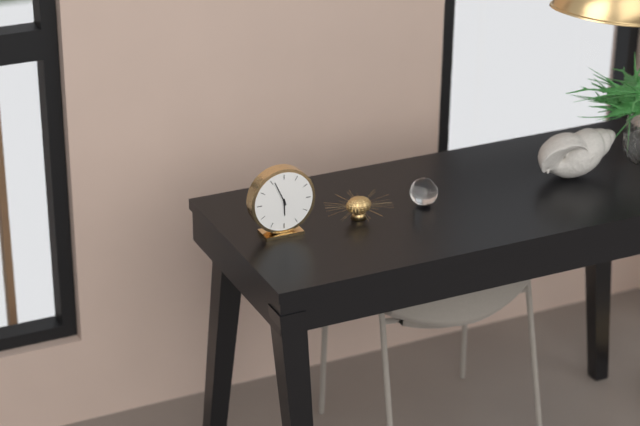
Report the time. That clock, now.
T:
5:56
